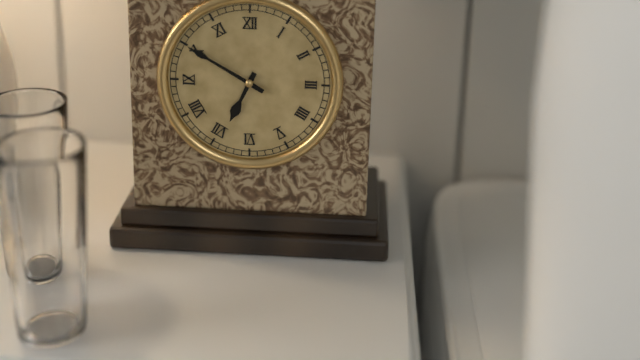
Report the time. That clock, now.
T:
6:50
